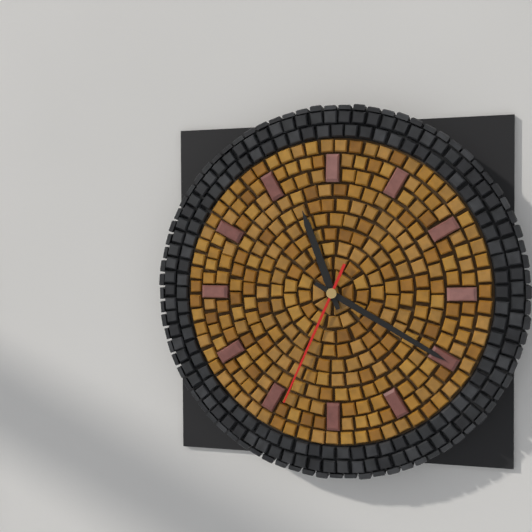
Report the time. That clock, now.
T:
11:20:34
